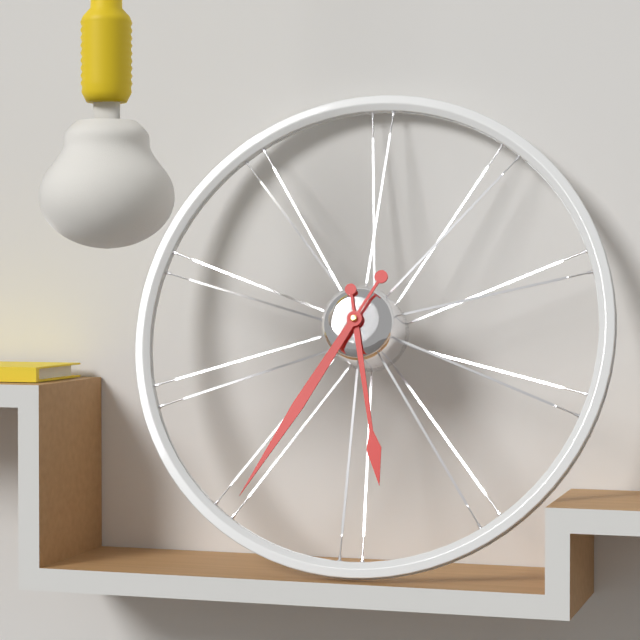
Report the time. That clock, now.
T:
5:35
